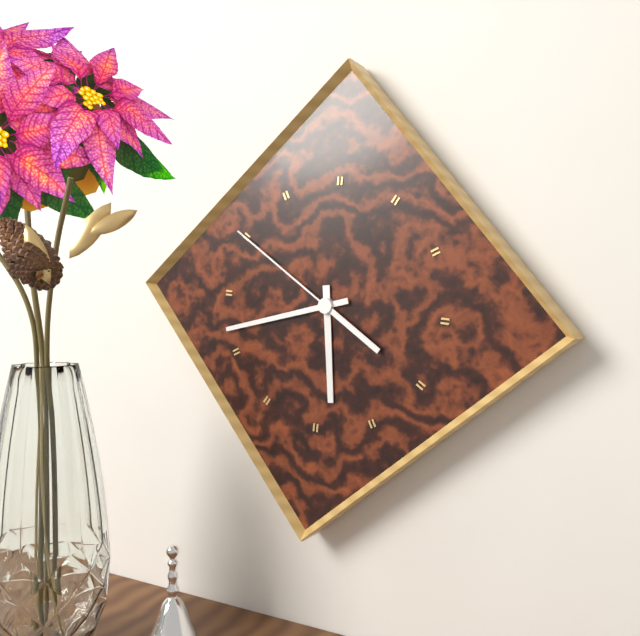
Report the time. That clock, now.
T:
5:42:50
